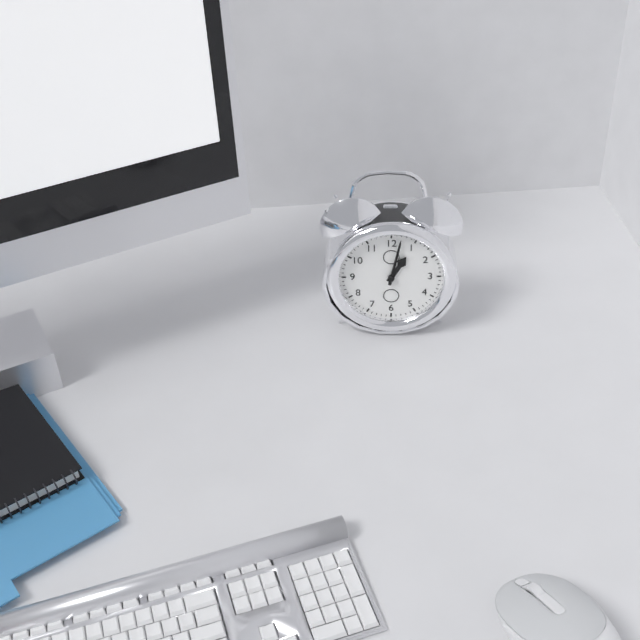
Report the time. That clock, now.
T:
1:02
